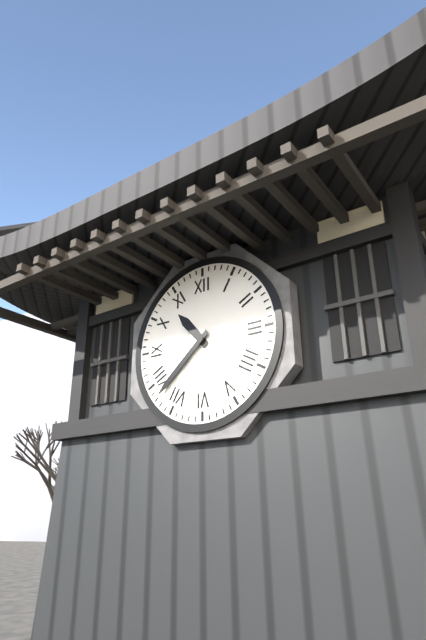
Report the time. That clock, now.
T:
10:38
